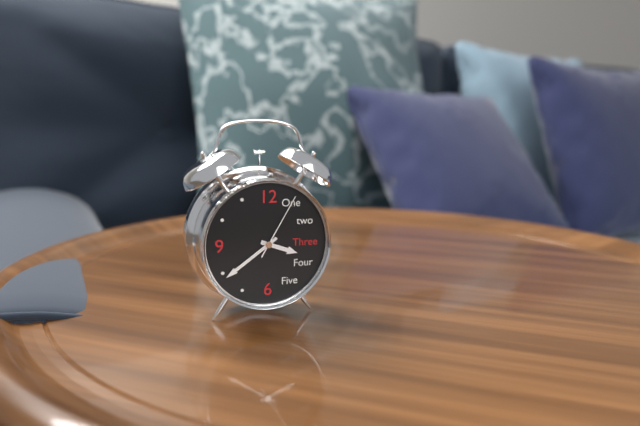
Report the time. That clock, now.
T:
3:39:05
